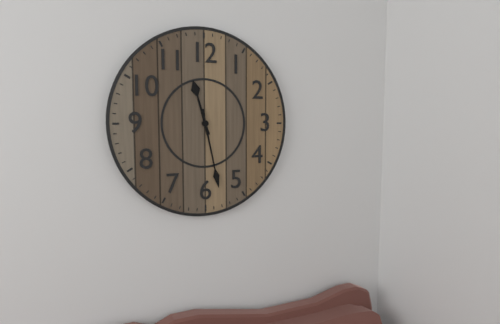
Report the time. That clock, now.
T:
11:28
